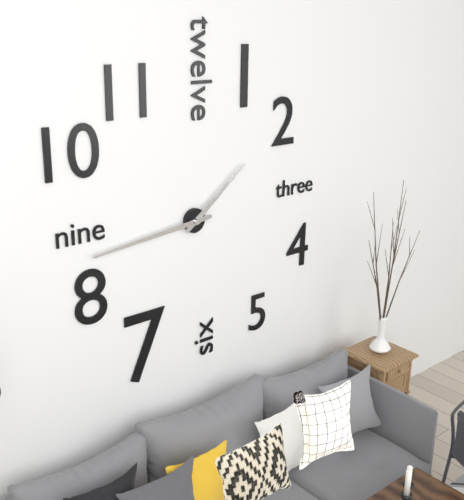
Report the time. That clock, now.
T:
1:44
